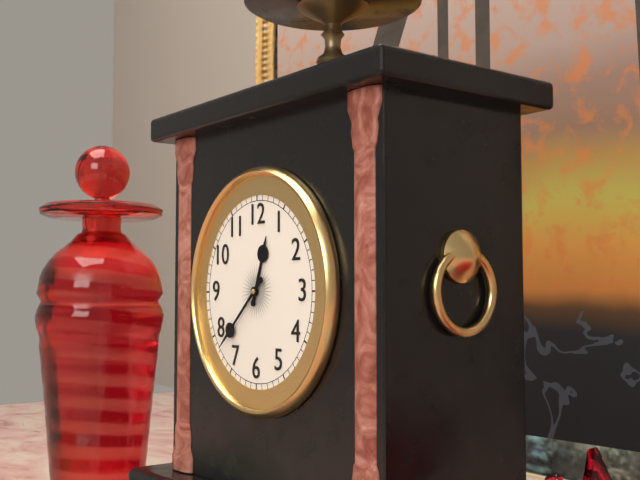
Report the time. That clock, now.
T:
12:38
